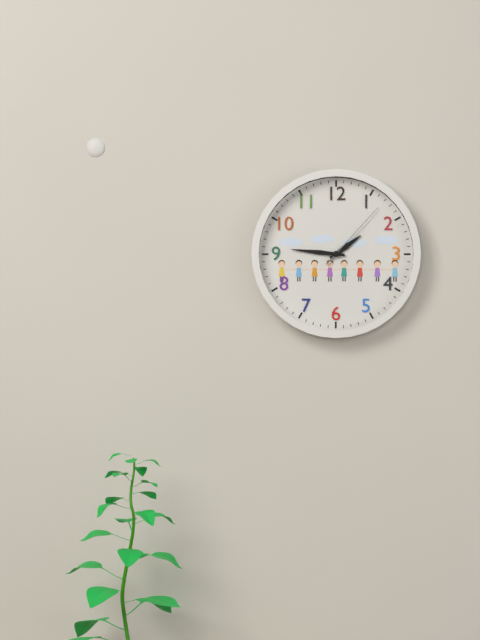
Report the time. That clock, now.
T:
1:46:07
